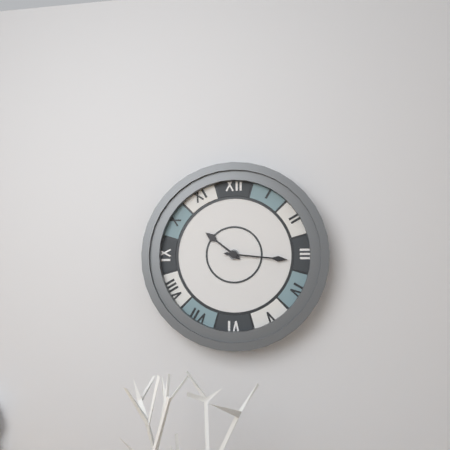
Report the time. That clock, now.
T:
10:16
